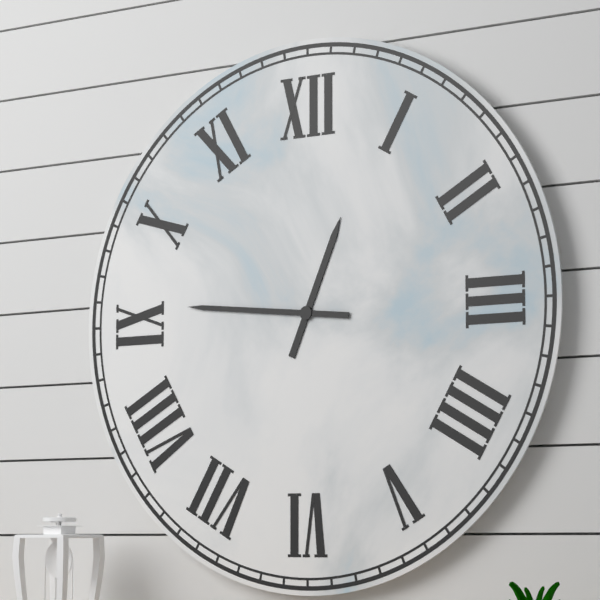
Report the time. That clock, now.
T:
12:46
